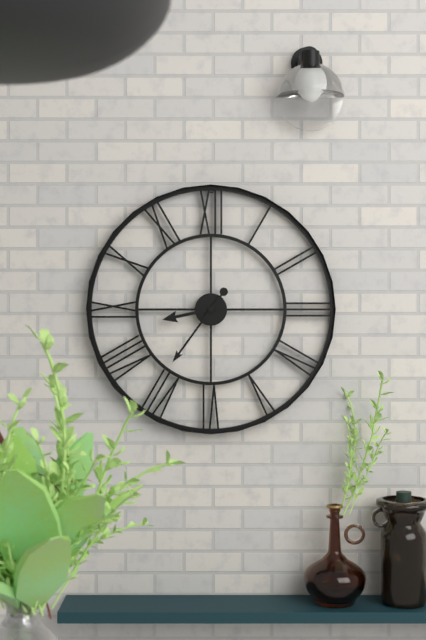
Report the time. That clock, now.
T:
8:36
